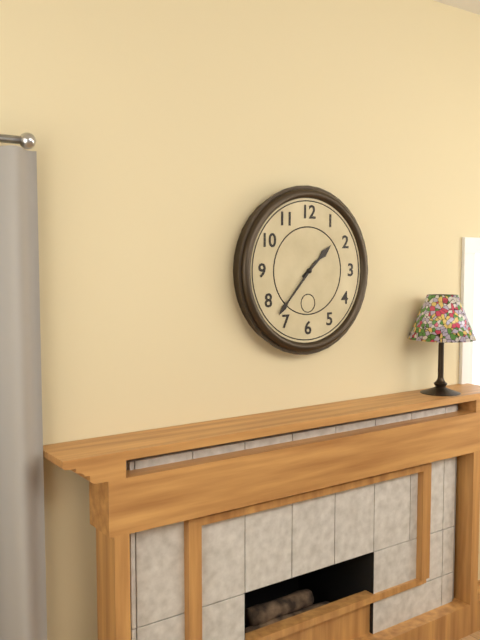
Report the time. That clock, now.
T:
1:37
